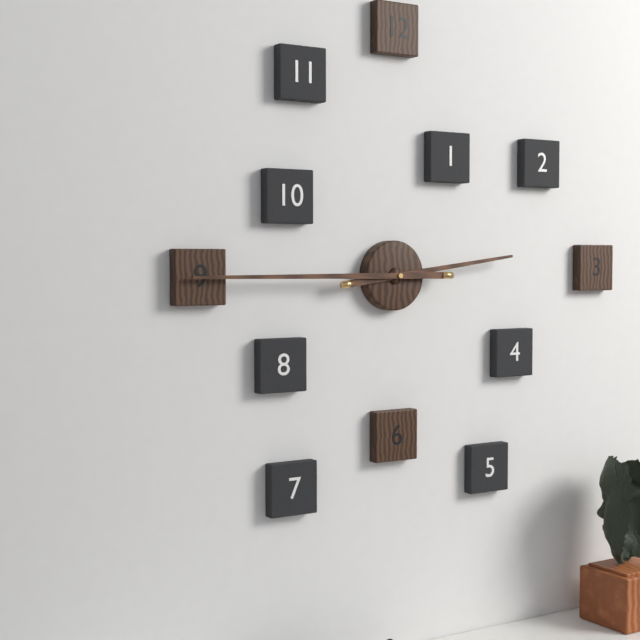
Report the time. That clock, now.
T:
2:45
